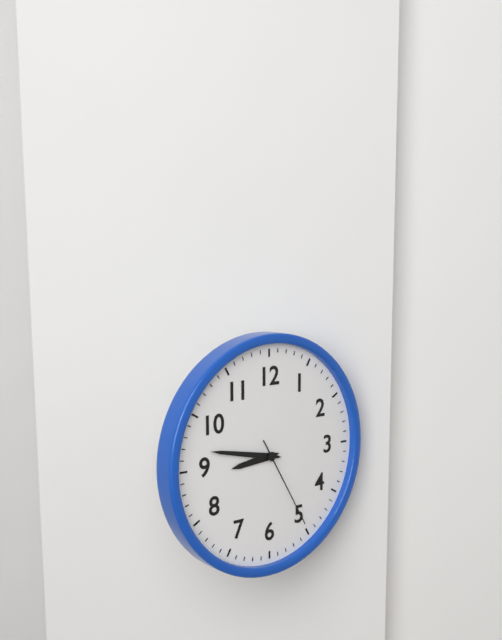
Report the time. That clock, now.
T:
8:47:25
